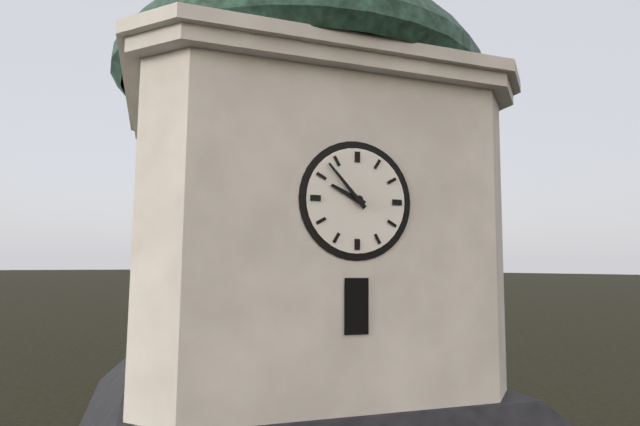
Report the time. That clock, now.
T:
9:53
